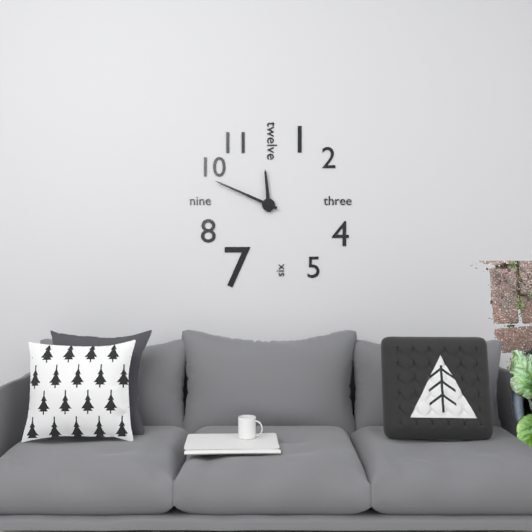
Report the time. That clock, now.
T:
11:49
